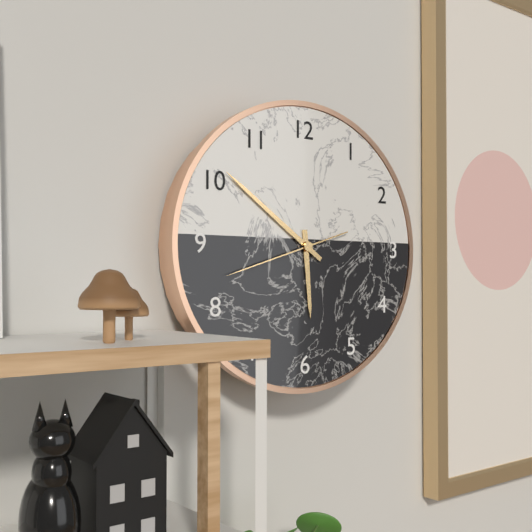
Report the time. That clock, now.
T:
5:51:42
